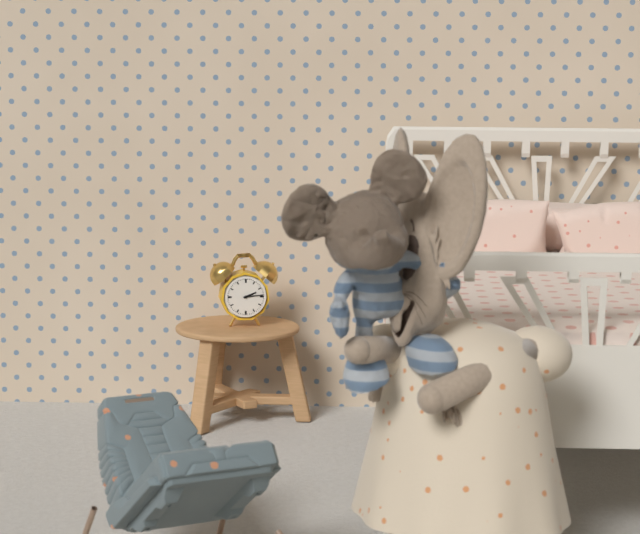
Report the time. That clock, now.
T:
2:14
